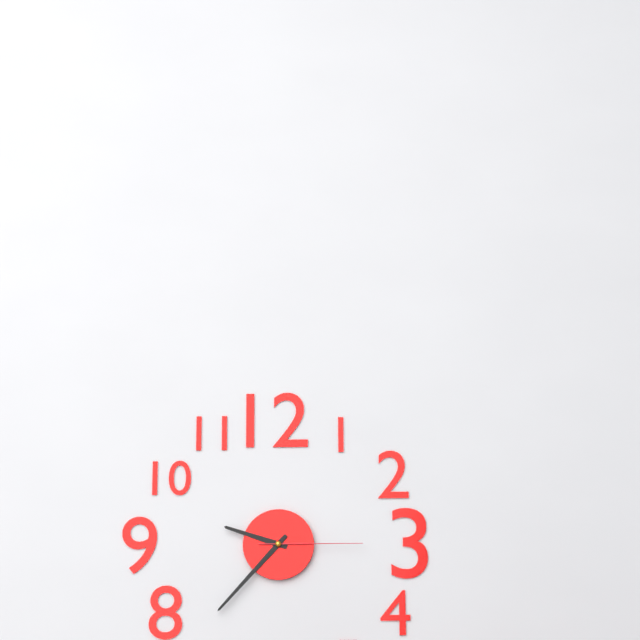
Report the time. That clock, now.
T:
9:37:15
